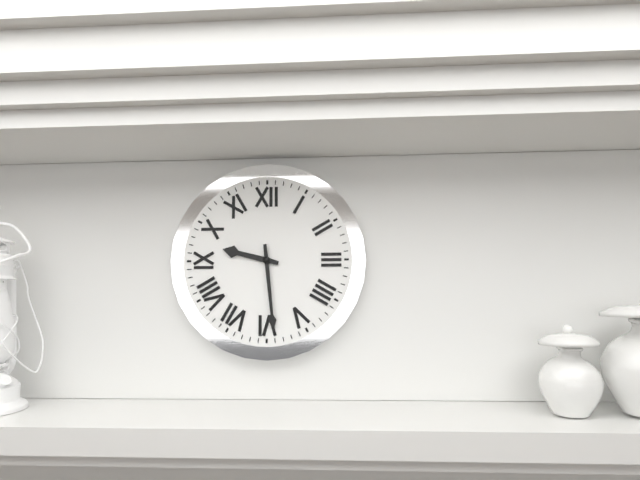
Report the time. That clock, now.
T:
9:29
